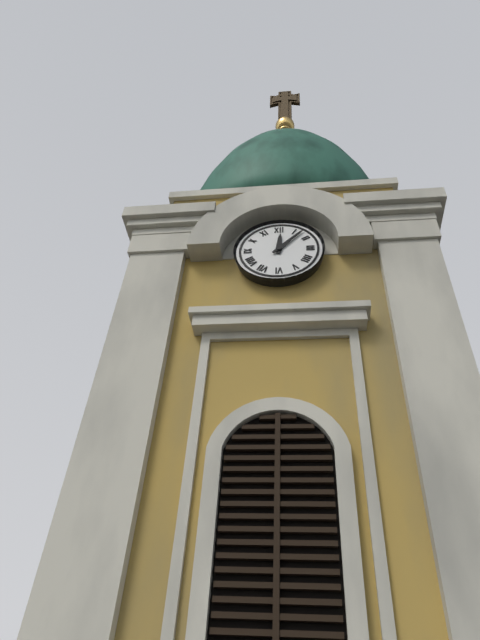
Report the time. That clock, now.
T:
12:07
